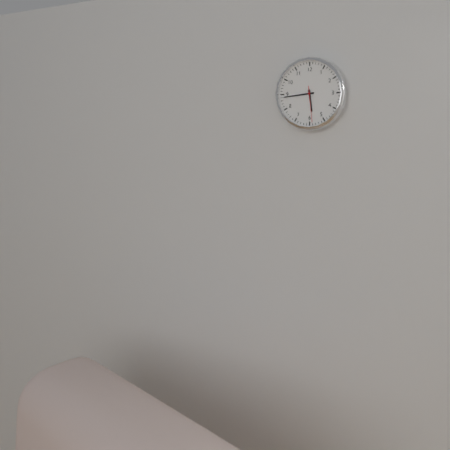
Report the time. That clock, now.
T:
5:44
